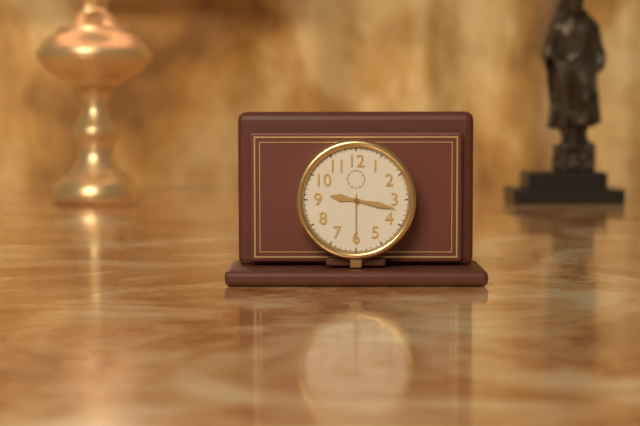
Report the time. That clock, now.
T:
9:17
